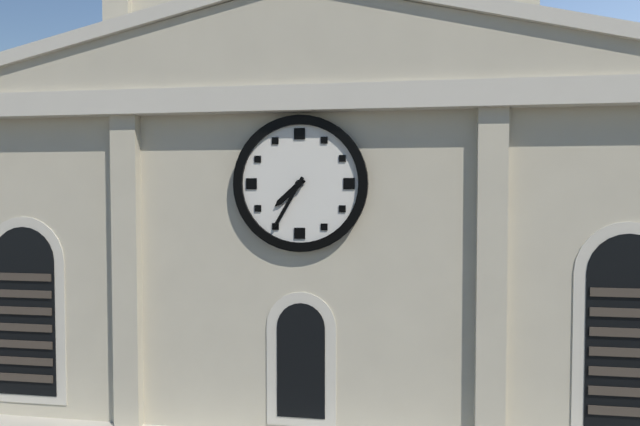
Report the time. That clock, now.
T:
7:35
